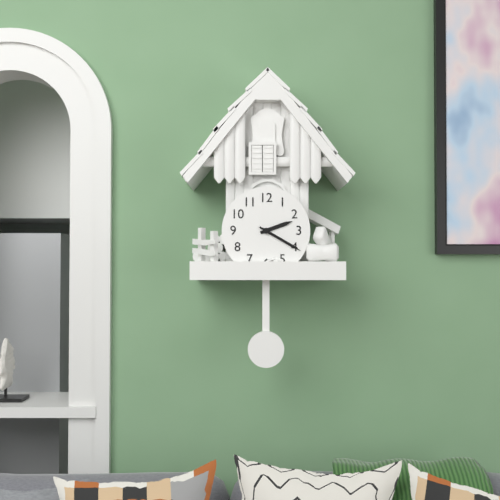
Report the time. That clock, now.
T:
2:20
